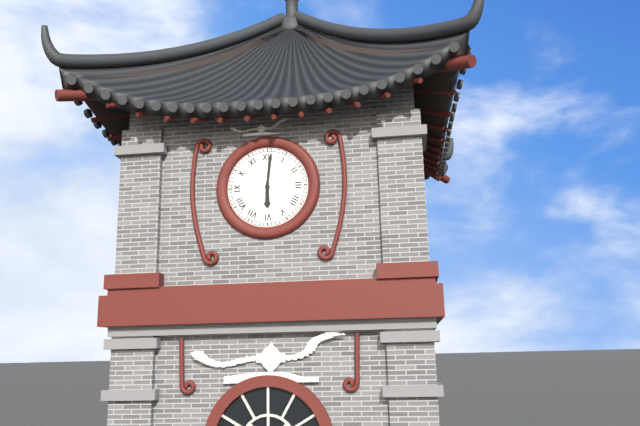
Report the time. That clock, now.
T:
6:01
